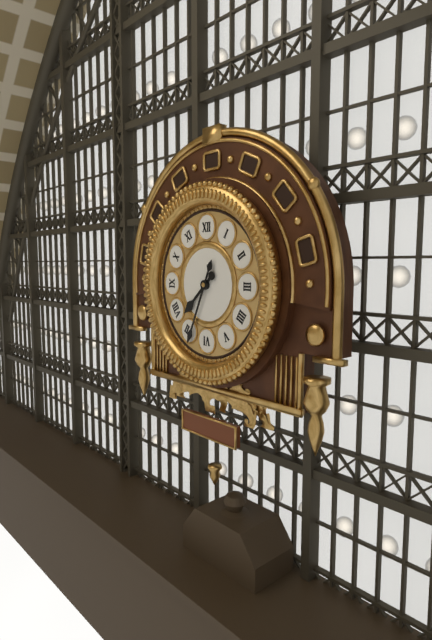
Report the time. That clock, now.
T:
7:34
